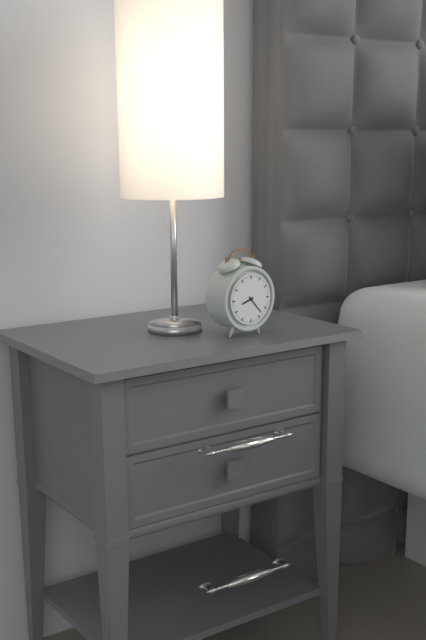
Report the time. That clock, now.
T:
8:23
